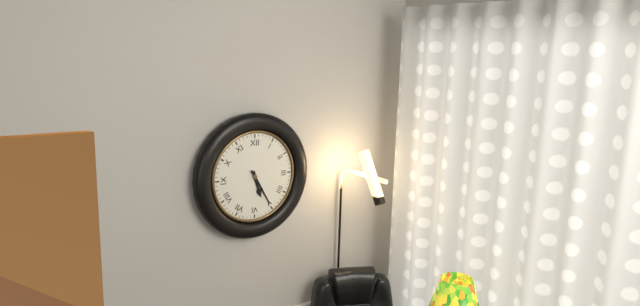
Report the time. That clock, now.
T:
5:25
